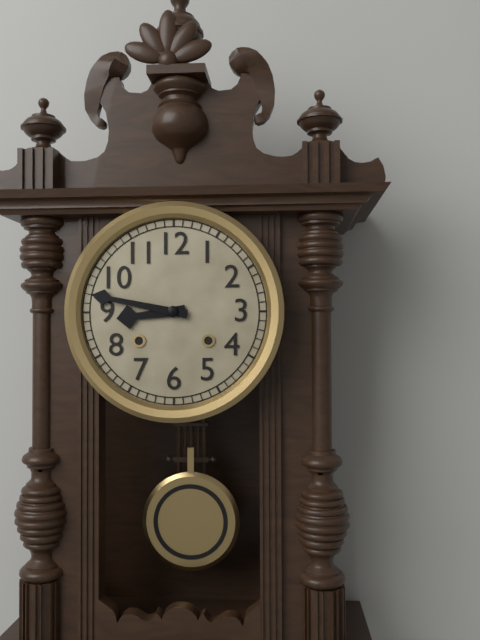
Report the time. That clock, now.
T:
8:47
